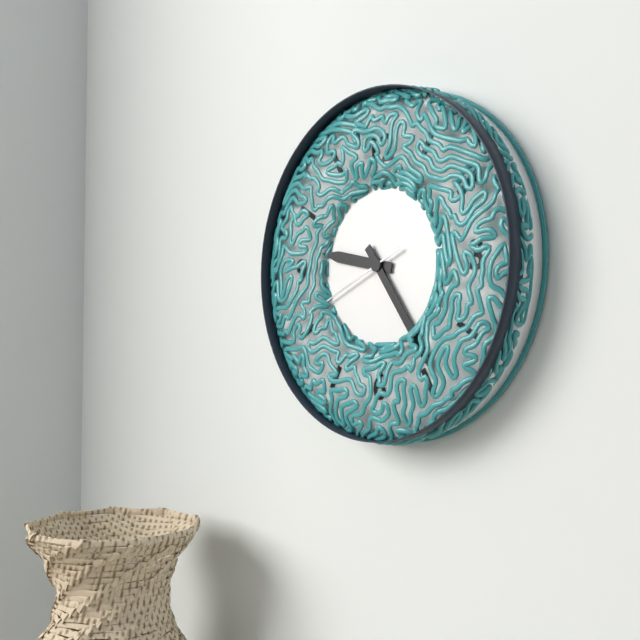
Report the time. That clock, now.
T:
9:24:41
